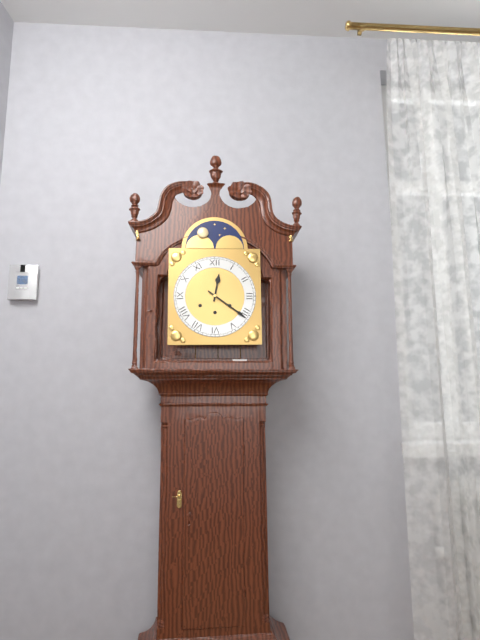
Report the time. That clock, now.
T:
12:21
